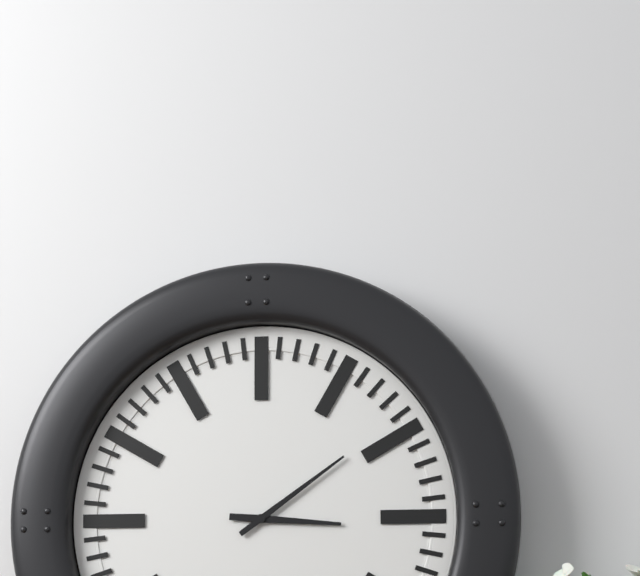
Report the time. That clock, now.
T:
3:09
